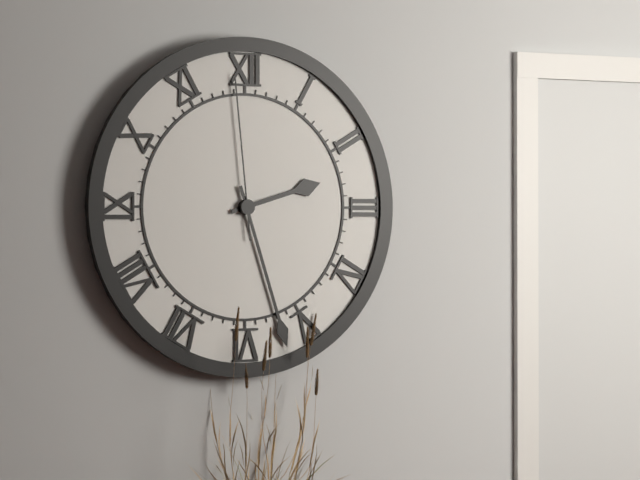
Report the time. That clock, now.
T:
2:27:59
